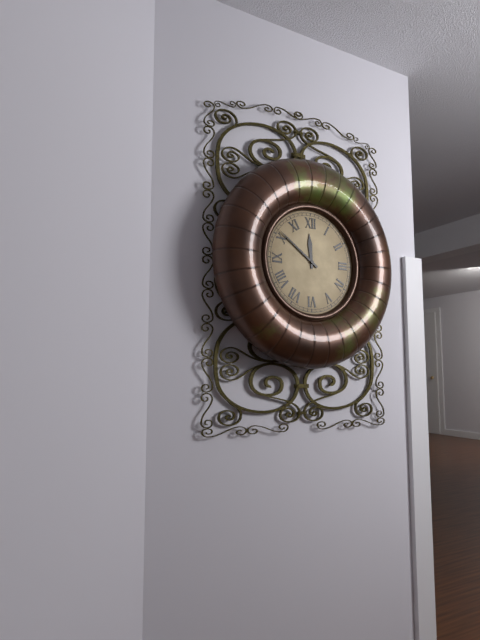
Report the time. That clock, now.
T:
11:51
